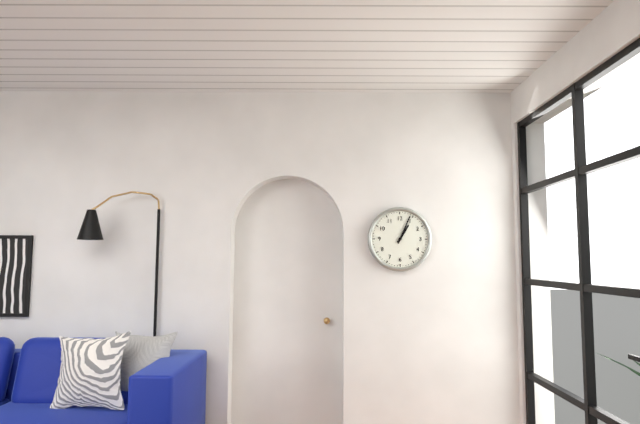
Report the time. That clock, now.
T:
1:04
